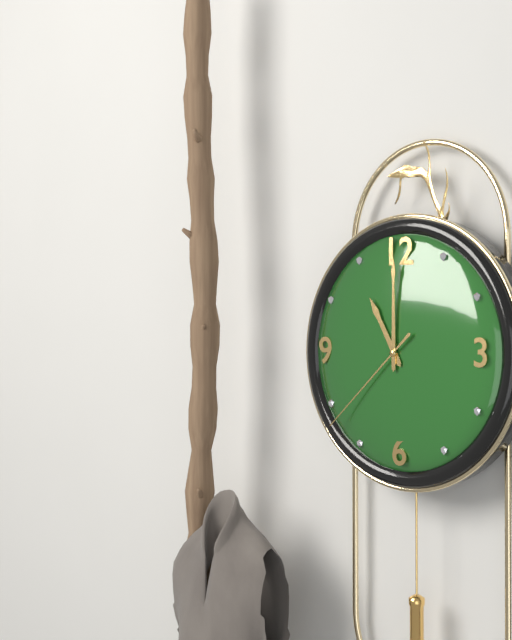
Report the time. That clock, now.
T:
11:00:38
